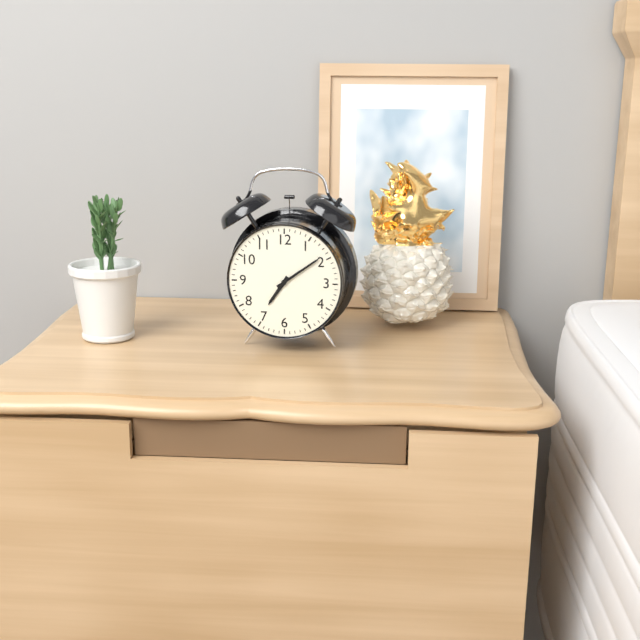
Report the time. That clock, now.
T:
7:09
